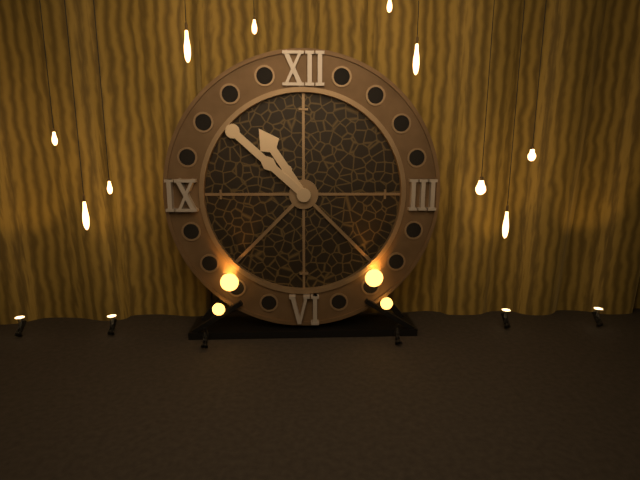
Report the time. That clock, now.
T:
10:52
